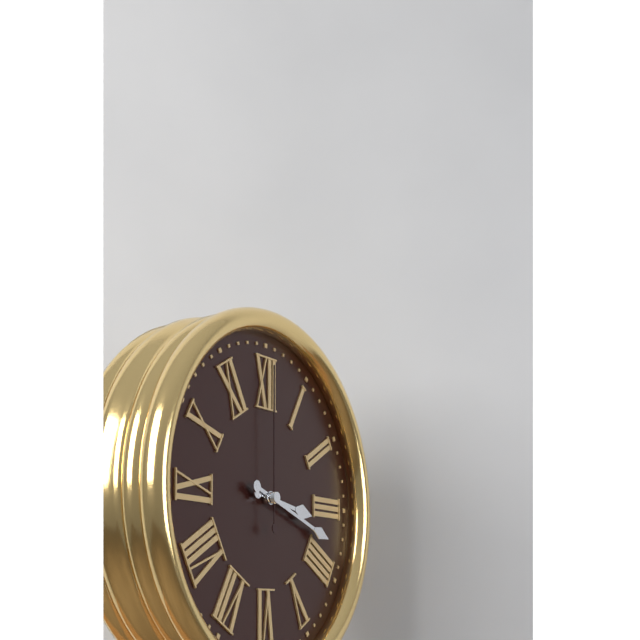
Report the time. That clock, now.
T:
3:18:00
